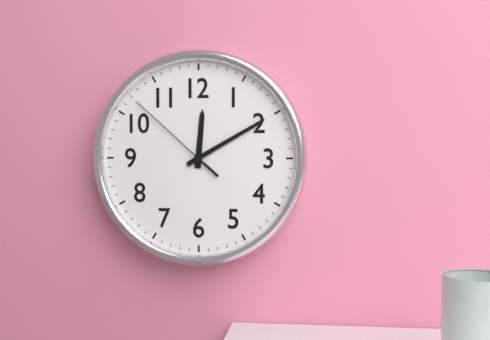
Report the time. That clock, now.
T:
12:10:52
